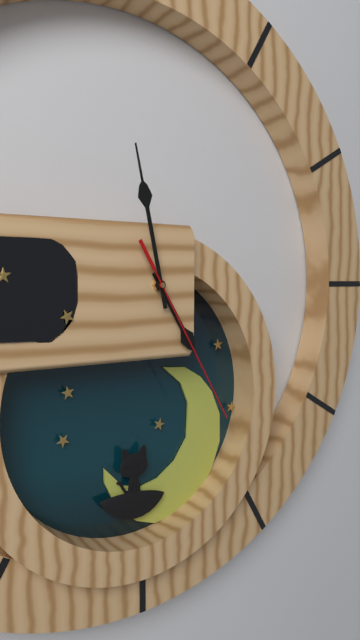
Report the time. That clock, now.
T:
4:58:25
